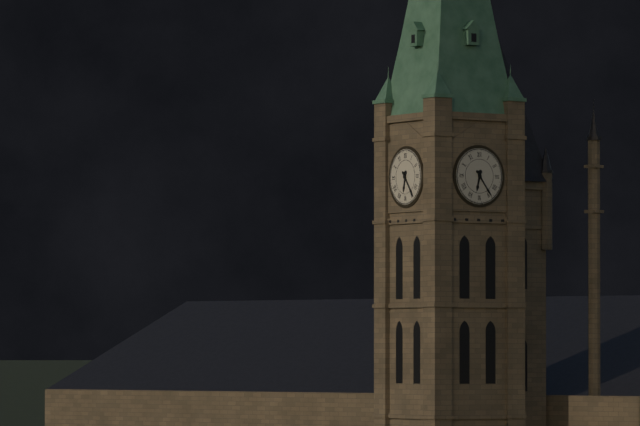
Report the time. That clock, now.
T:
6:24
